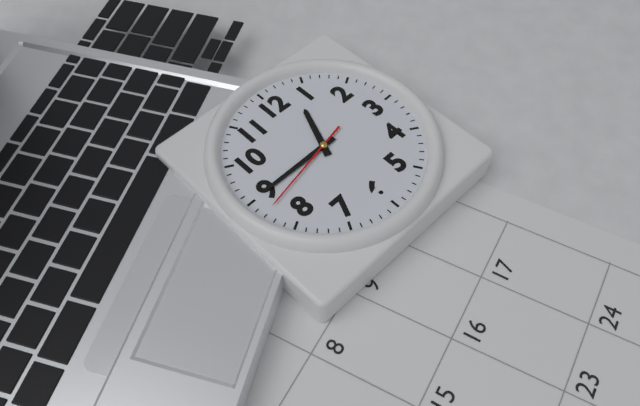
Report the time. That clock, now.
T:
12:45:43
